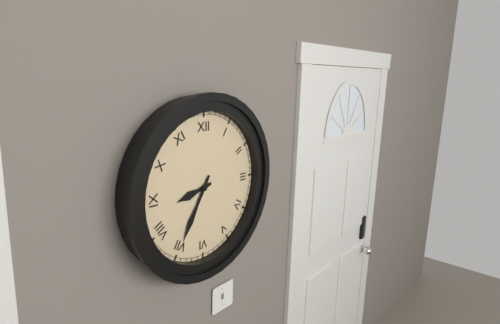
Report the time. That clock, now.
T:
8:35
